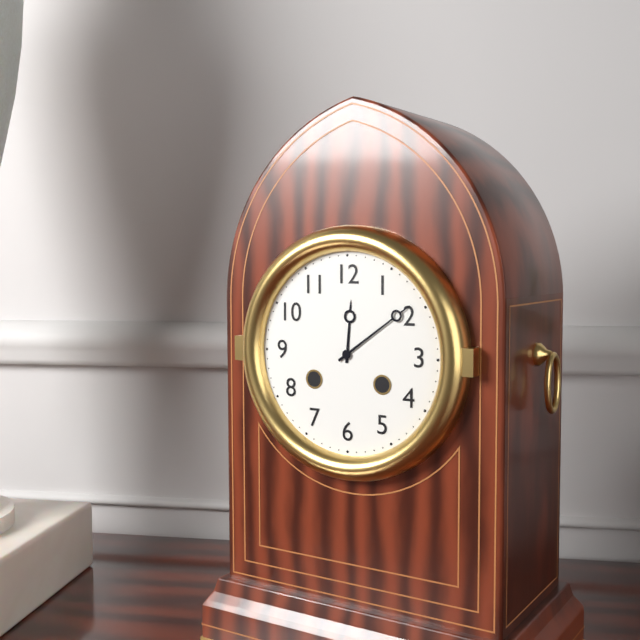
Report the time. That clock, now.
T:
12:09
